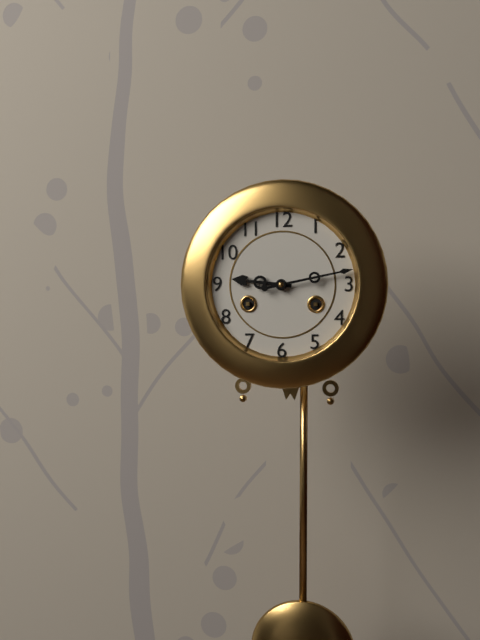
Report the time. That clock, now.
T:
9:13
